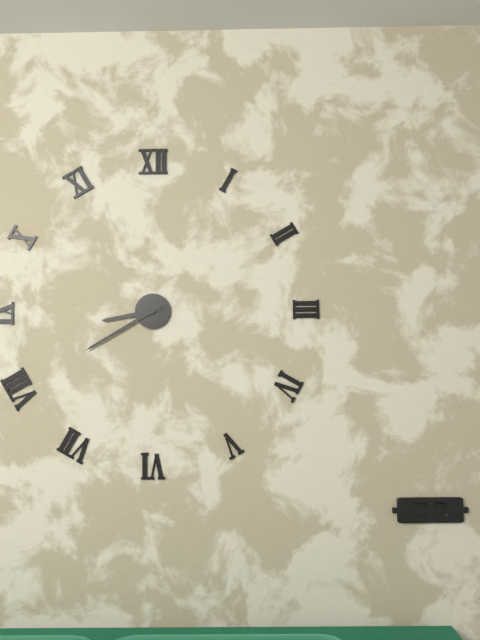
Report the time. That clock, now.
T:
8:40
